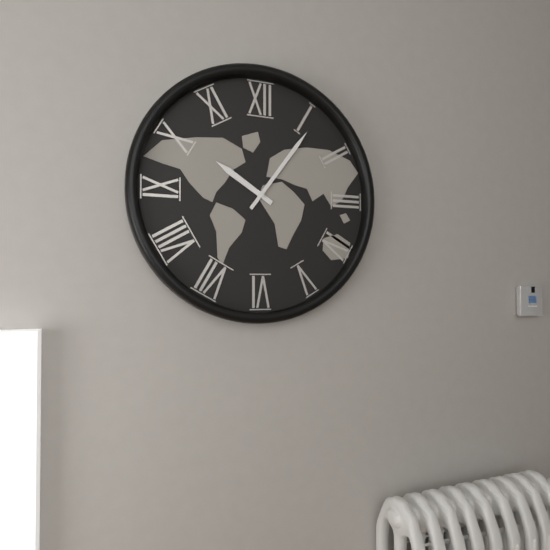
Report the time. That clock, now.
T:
10:06
